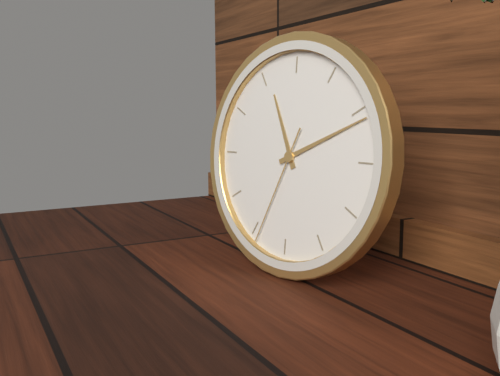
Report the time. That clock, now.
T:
11:11:34
